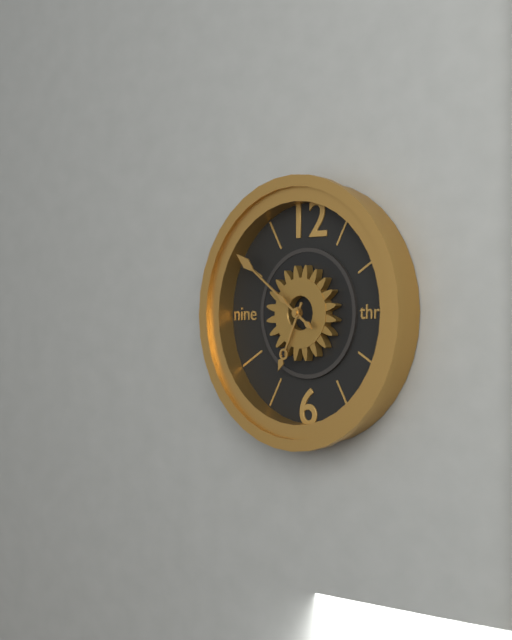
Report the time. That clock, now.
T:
6:51
